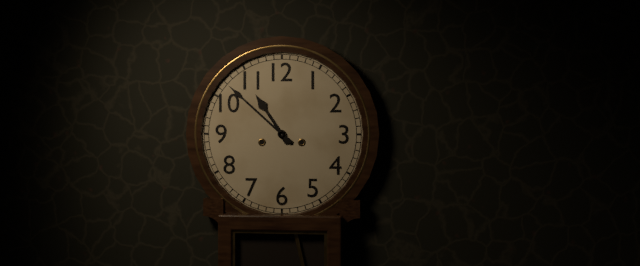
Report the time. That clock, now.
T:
10:52
